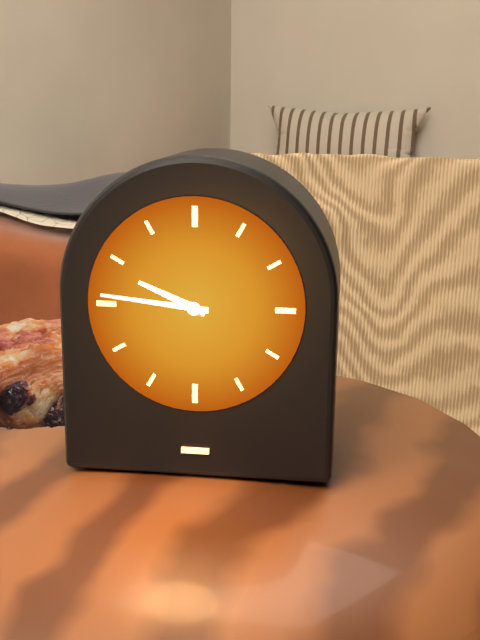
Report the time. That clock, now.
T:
9:46
